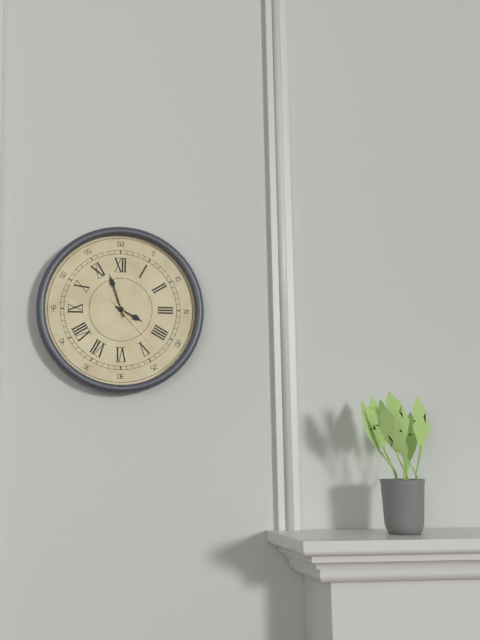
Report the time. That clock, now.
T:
3:57:23
